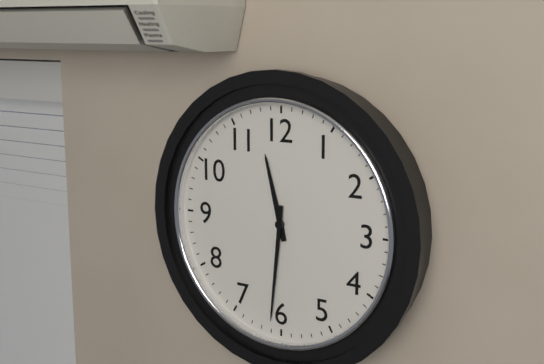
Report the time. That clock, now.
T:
11:31
